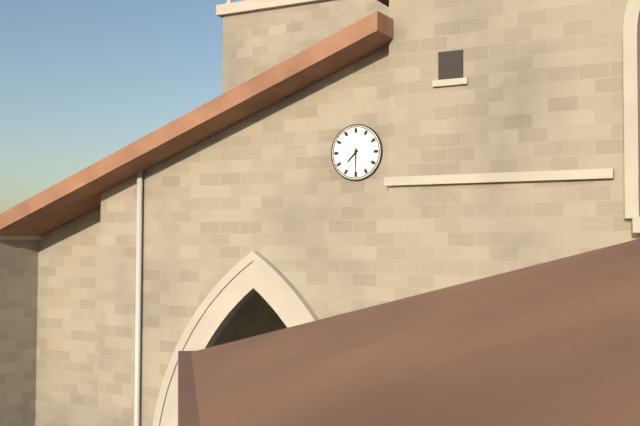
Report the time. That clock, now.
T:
7:30
